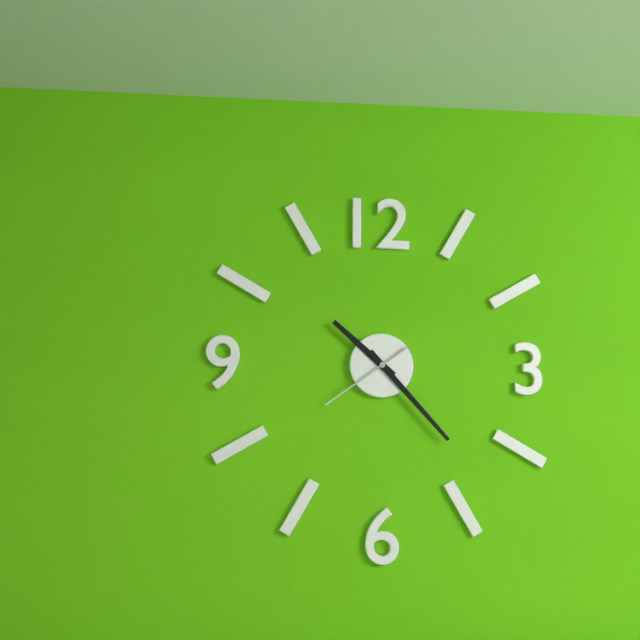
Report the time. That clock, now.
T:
10:23:39
